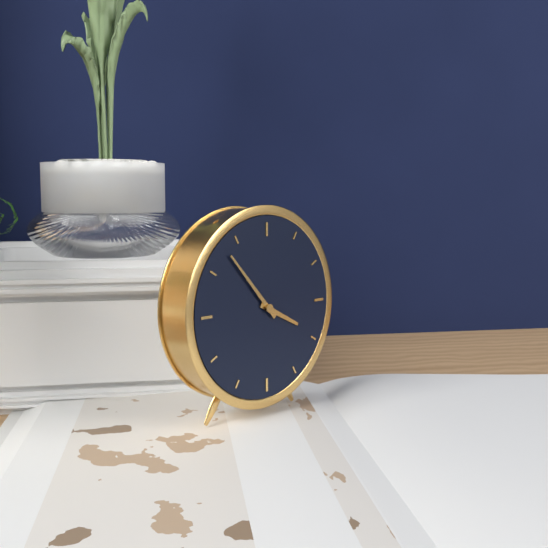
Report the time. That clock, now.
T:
3:53
